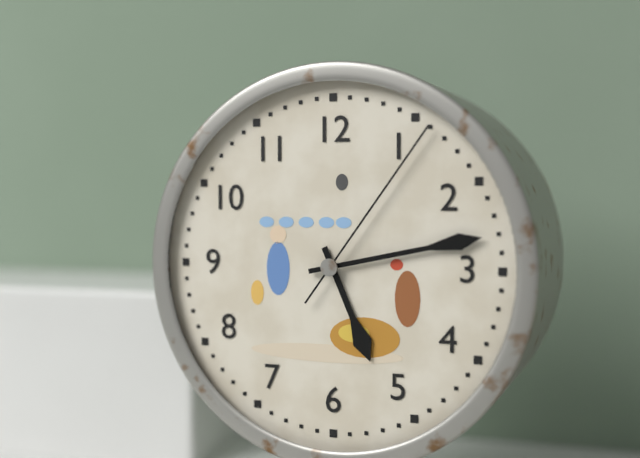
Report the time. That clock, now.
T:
5:13:06
